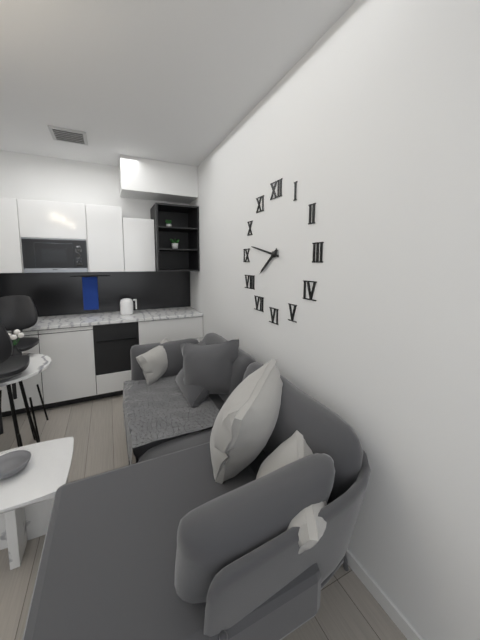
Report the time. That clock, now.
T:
7:47
